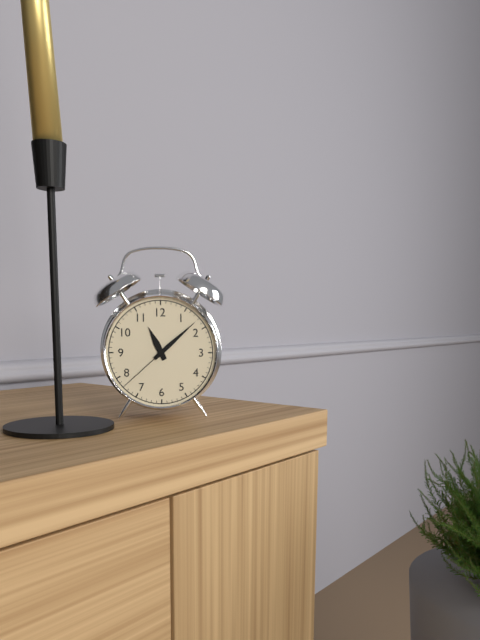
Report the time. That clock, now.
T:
11:08:38
